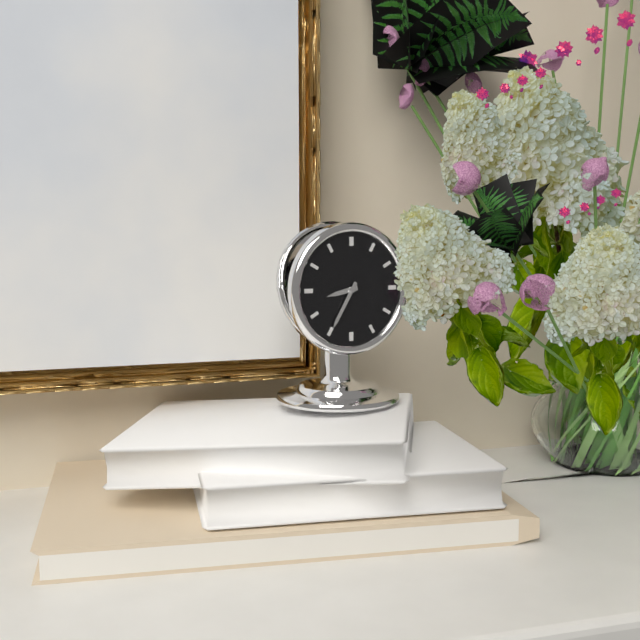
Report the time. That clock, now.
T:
8:35
